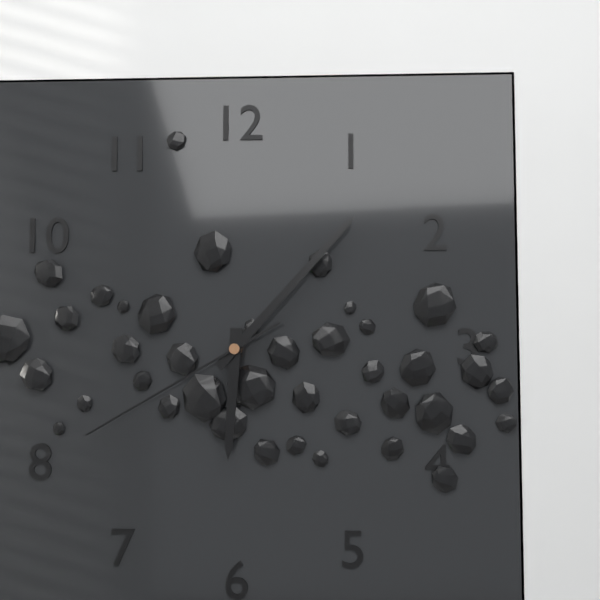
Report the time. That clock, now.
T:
6:07:40
